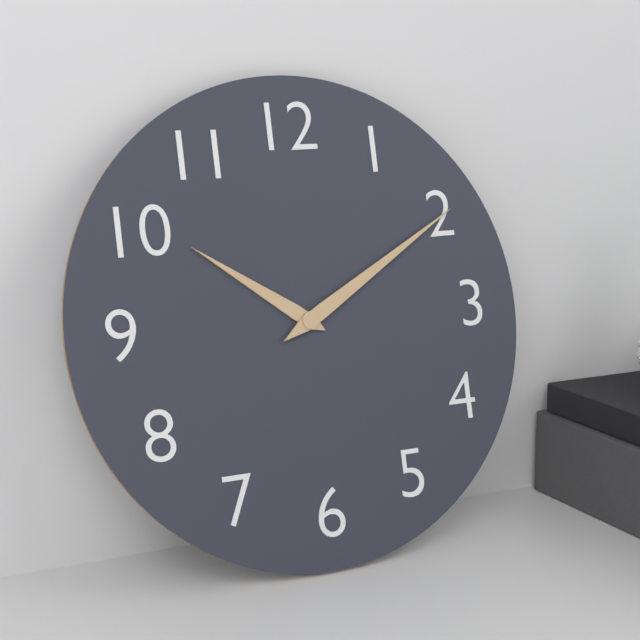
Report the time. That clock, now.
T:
10:10
